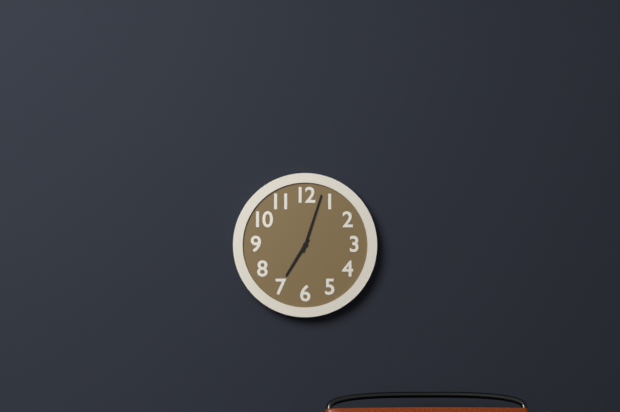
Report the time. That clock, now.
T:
7:03
